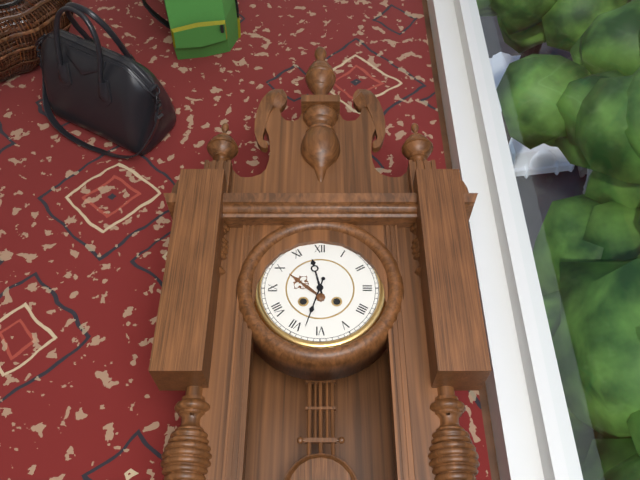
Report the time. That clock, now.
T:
11:33
